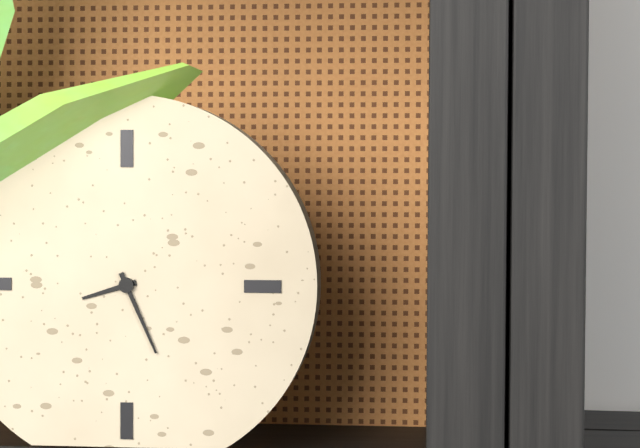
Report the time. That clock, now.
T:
8:26
